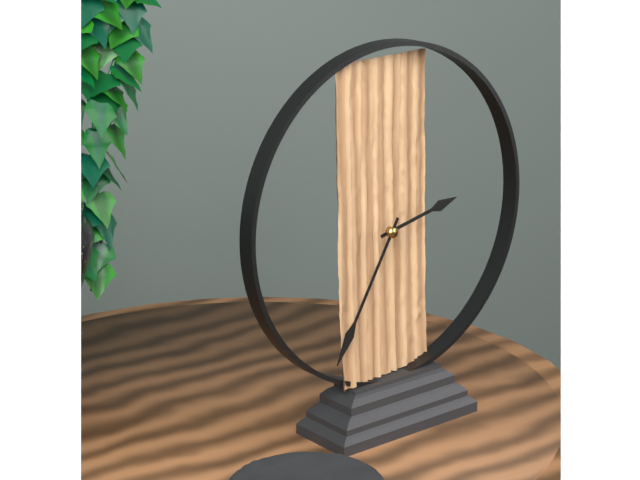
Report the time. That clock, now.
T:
2:35
